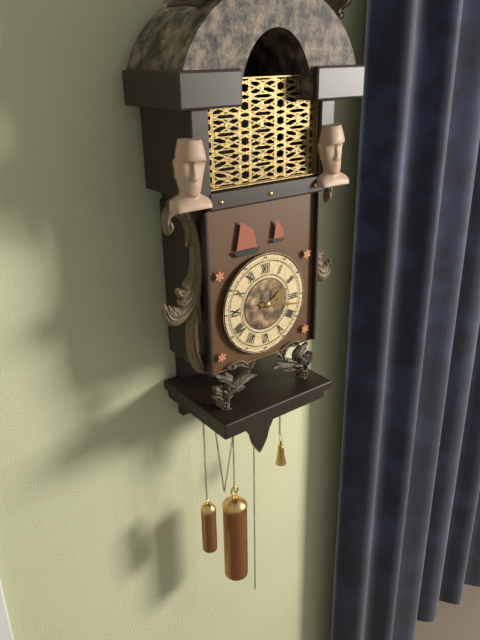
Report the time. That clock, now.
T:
2:17
